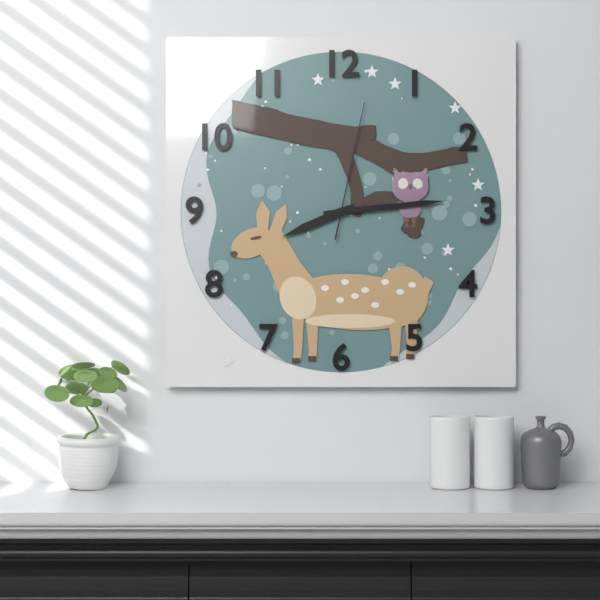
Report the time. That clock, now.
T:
8:14:02
